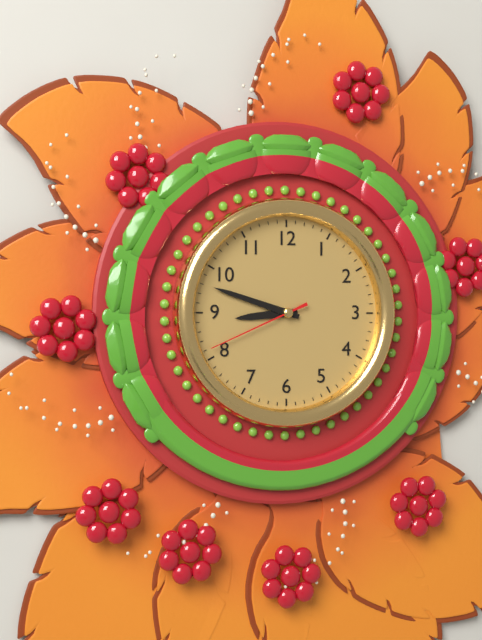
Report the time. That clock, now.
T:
8:48:41
